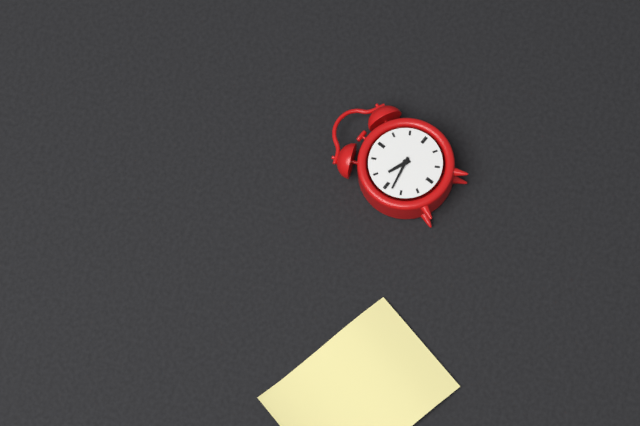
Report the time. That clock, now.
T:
9:43
